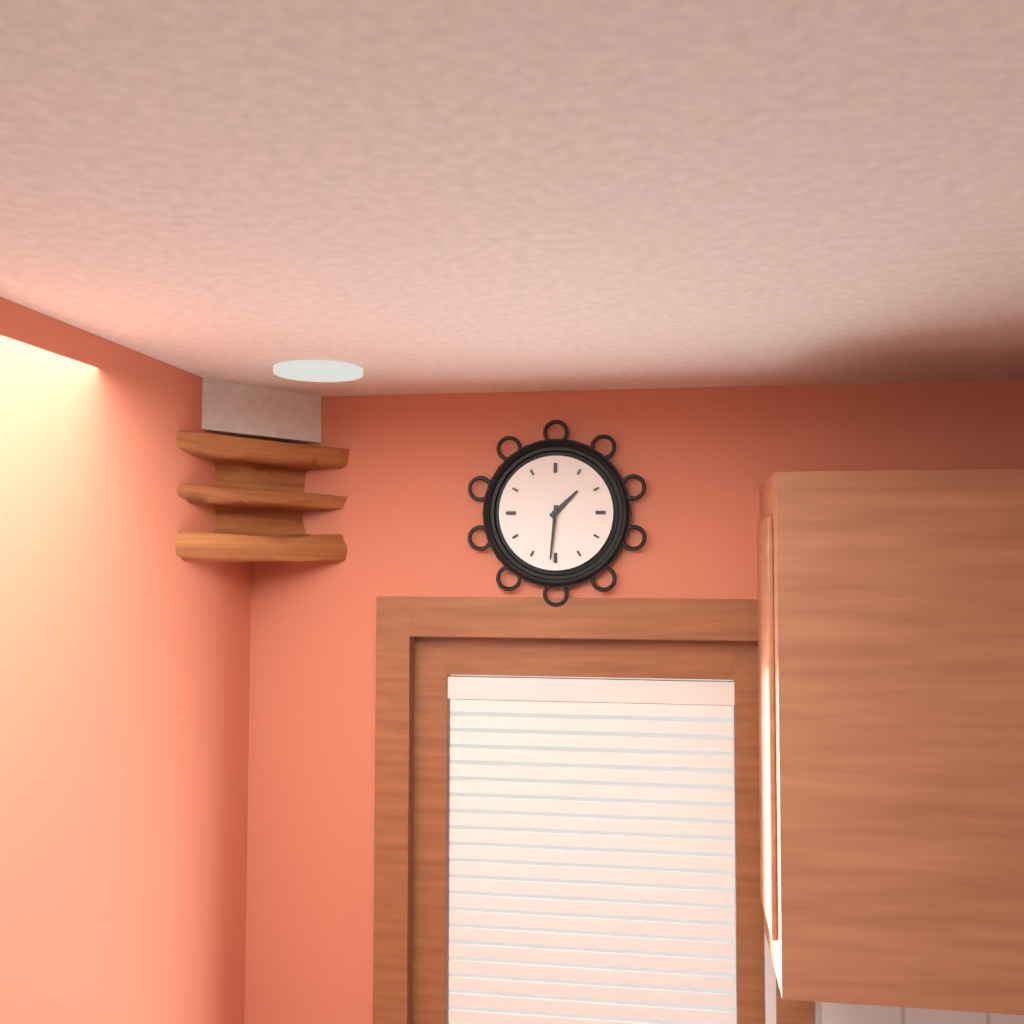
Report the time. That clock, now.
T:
1:31
